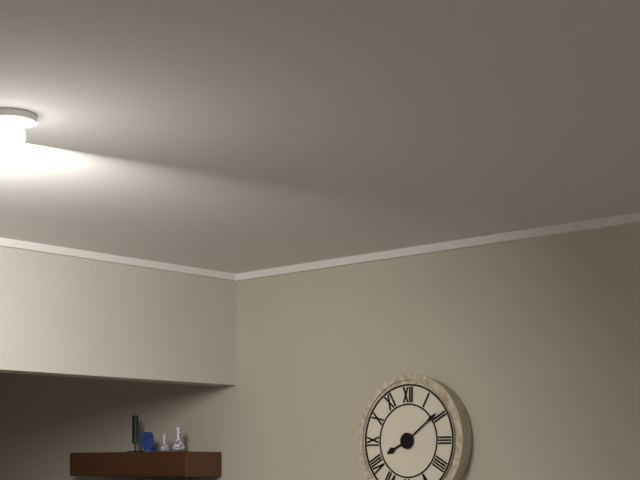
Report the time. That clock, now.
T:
8:09
